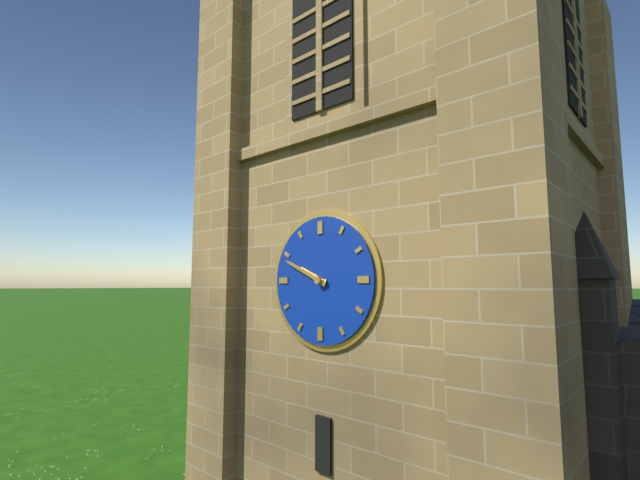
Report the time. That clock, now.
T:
9:49
